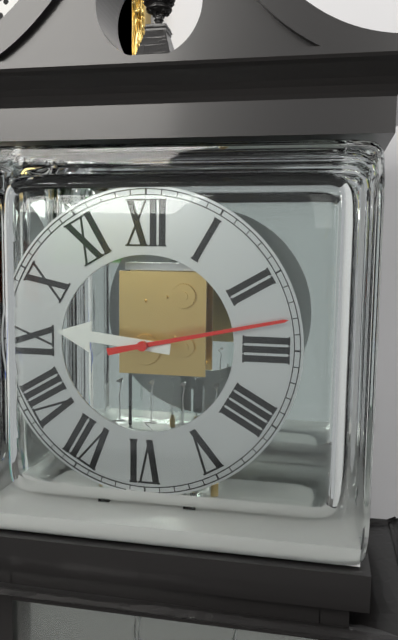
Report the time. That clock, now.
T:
9:13
